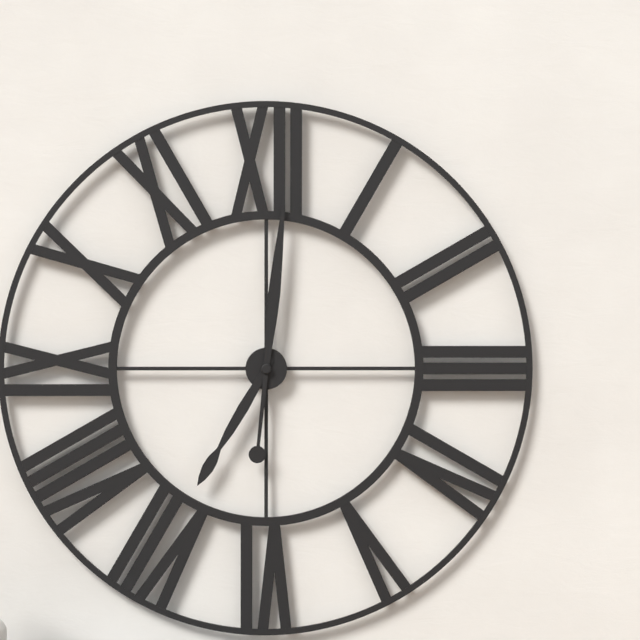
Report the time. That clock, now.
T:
7:01
